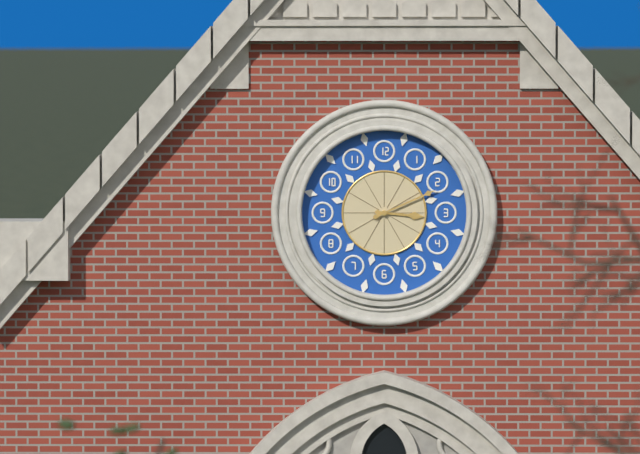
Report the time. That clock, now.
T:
3:11
